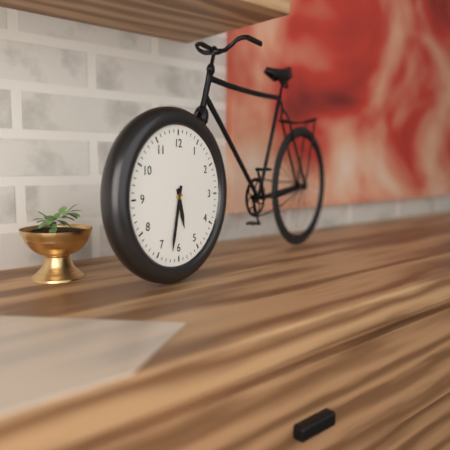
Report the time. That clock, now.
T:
5:32
